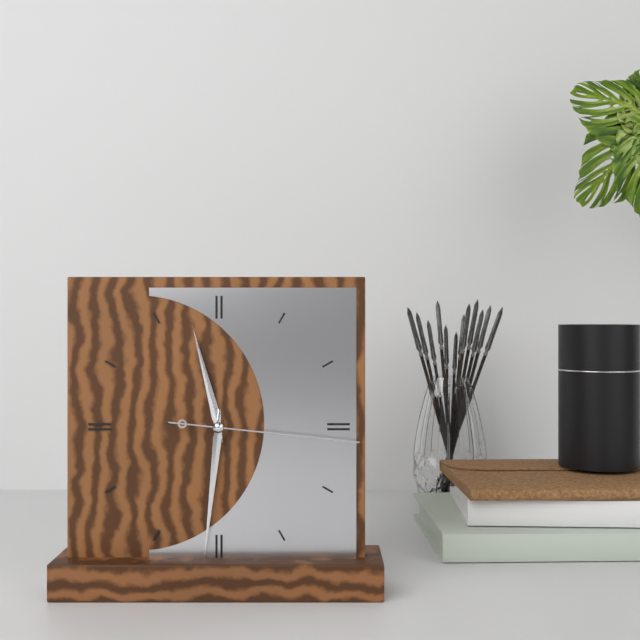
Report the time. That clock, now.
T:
11:31:16
